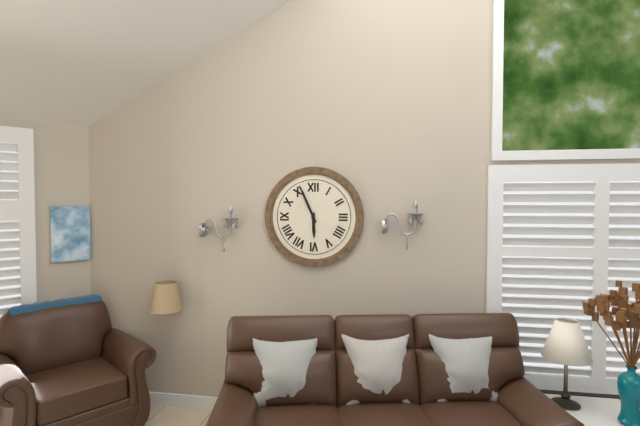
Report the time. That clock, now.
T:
5:56
